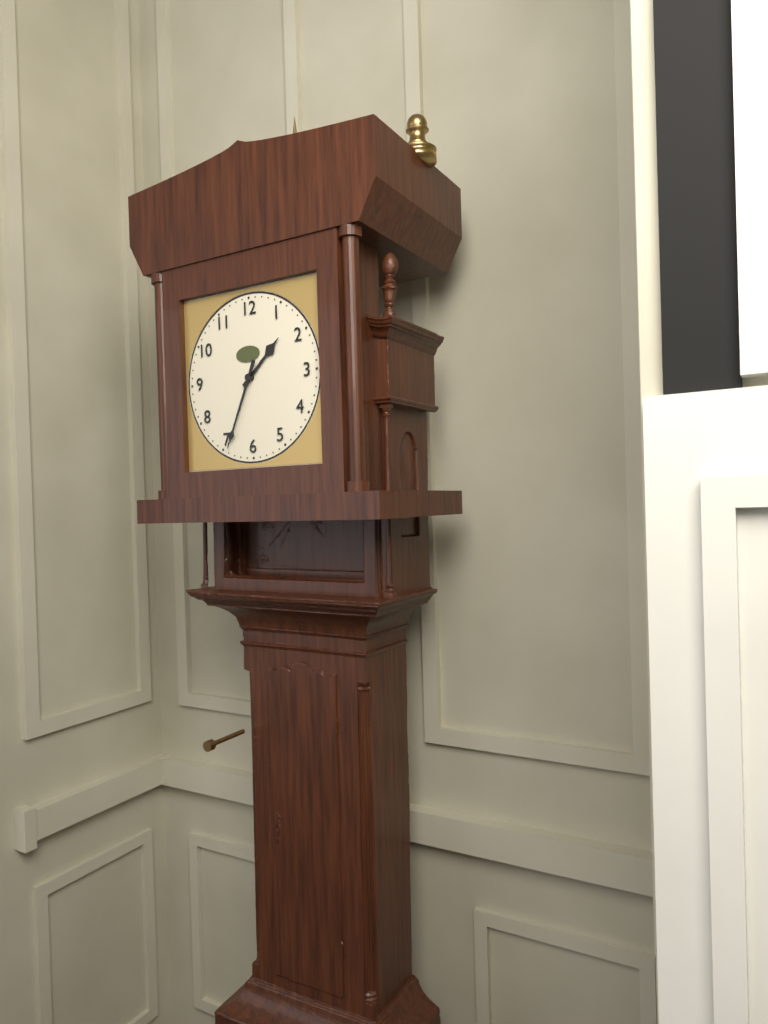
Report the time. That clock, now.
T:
1:34
